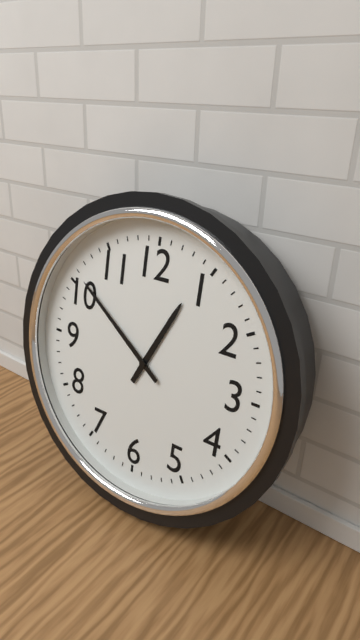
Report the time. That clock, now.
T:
12:51
